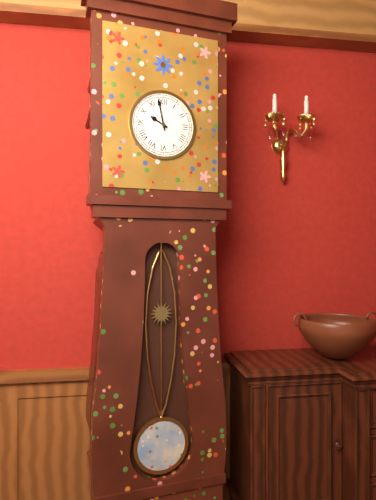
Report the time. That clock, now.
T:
9:58
